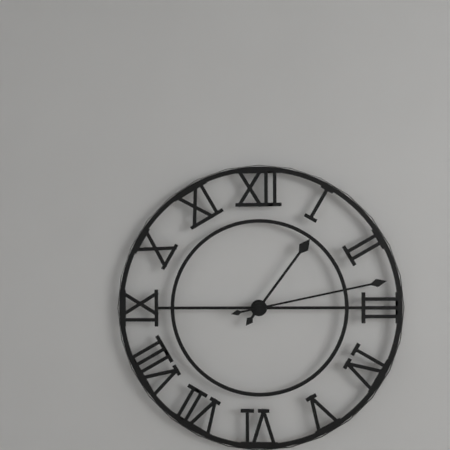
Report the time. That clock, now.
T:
1:13
